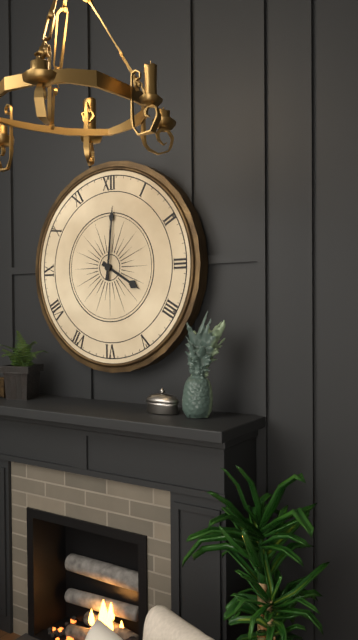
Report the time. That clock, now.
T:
4:01
